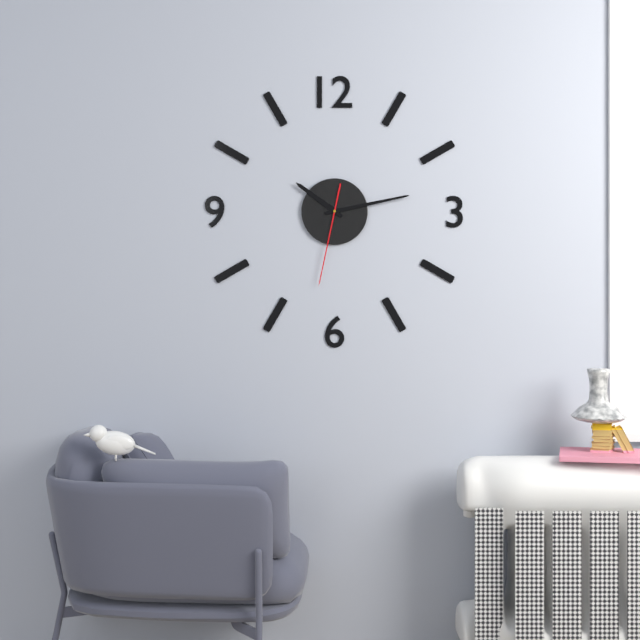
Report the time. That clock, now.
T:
10:13:32
